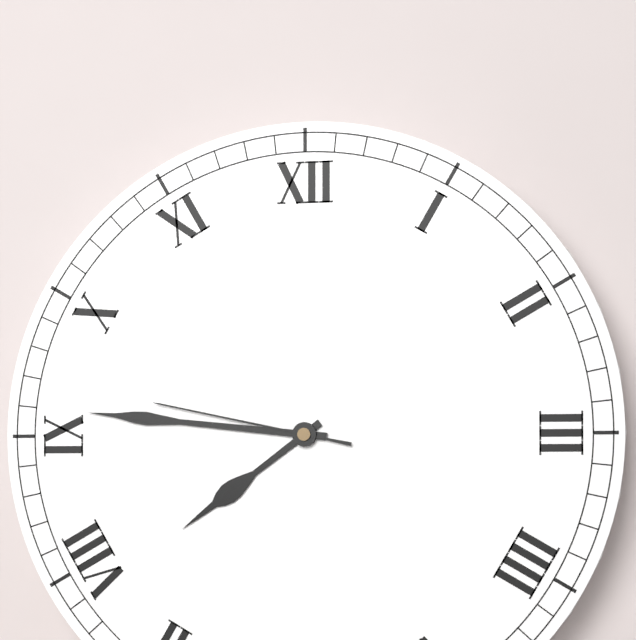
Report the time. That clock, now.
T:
7:46:47
